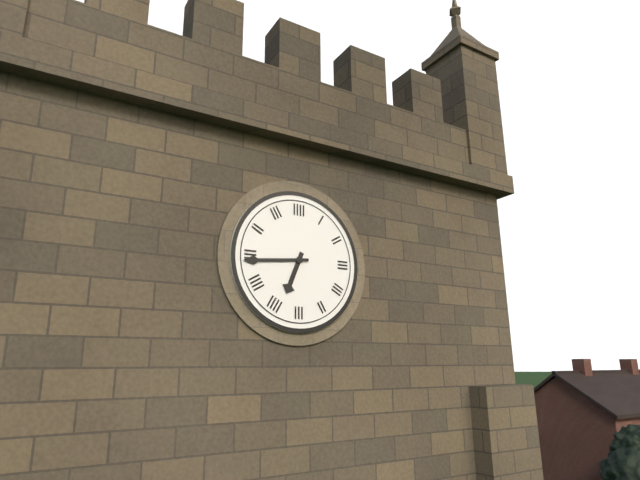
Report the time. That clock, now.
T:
6:44
